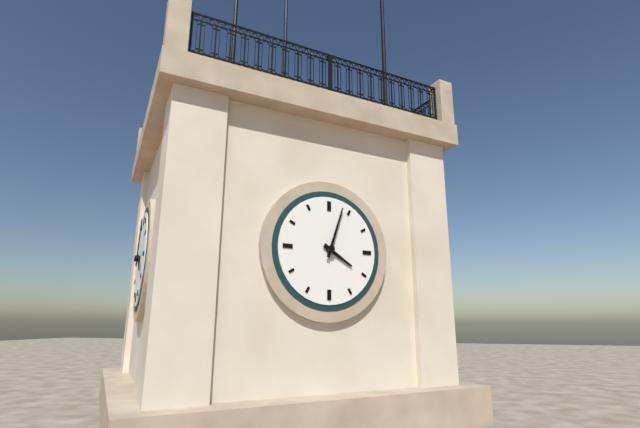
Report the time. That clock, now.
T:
4:03
